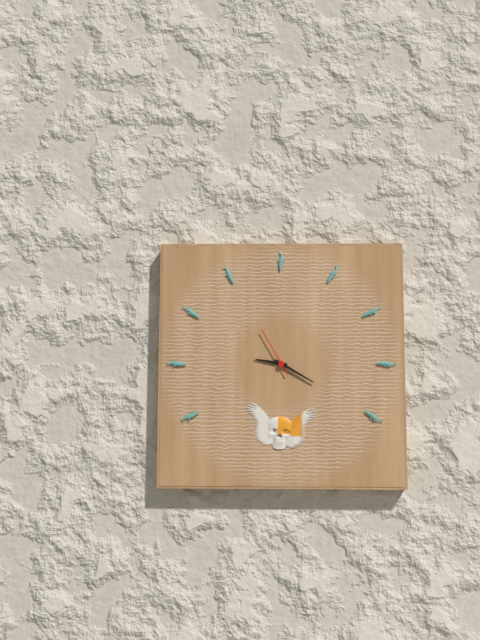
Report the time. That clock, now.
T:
9:20
